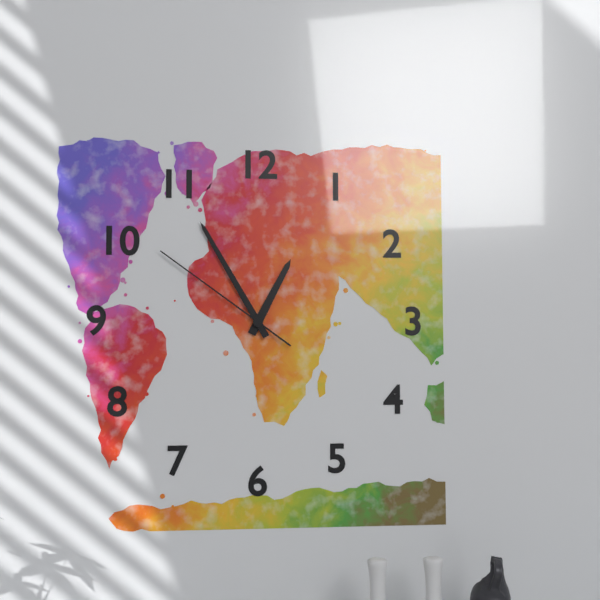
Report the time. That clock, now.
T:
12:55:51
